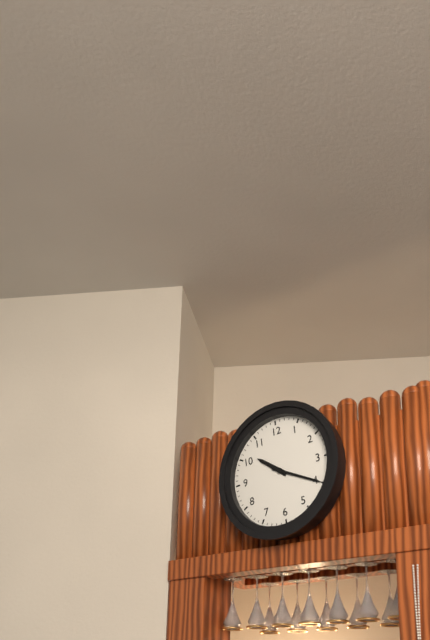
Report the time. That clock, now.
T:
10:20
